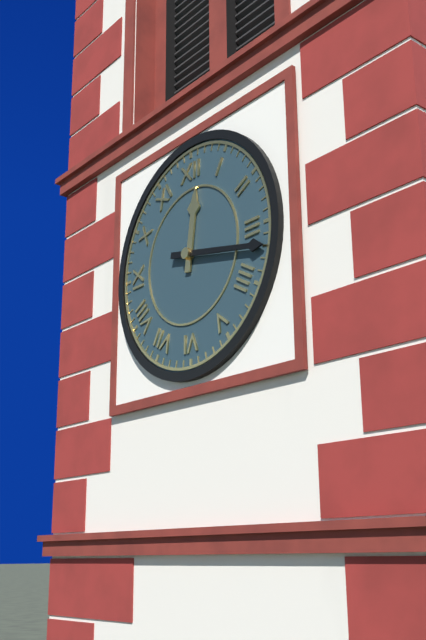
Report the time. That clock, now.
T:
12:17
